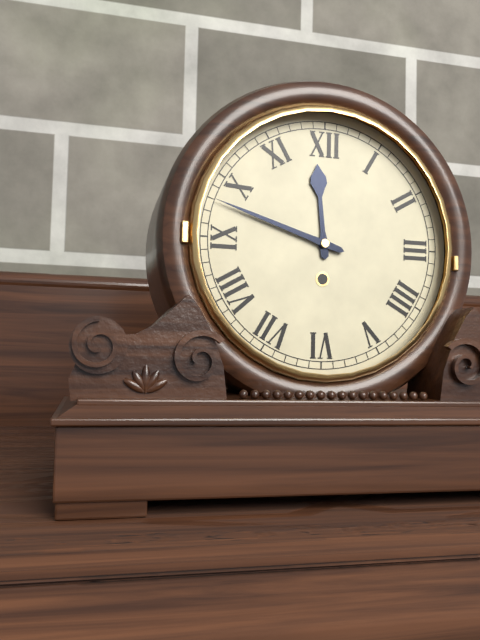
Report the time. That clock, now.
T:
11:48
